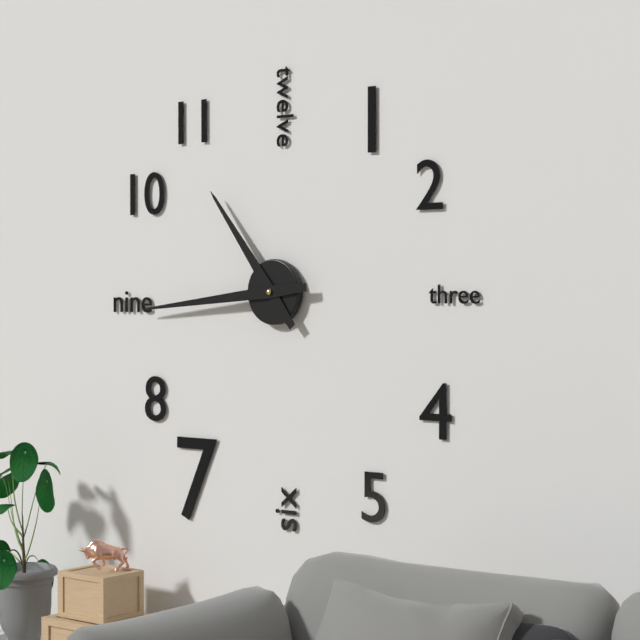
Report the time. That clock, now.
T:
10:44
